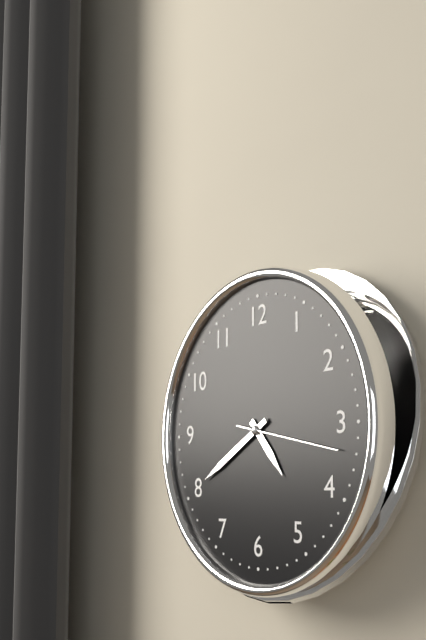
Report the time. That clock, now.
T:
4:40:17
